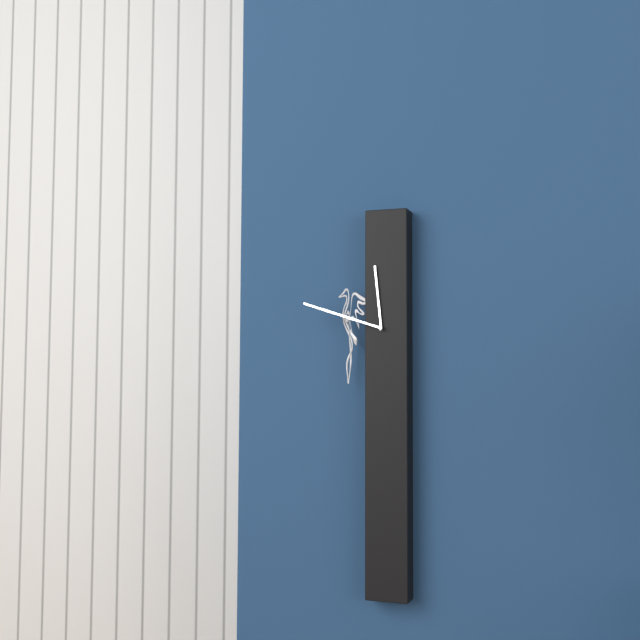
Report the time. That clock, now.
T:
11:48
